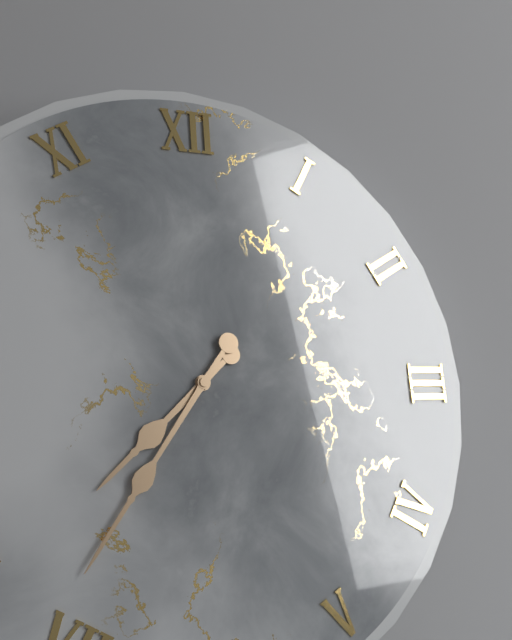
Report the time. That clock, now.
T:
7:36
